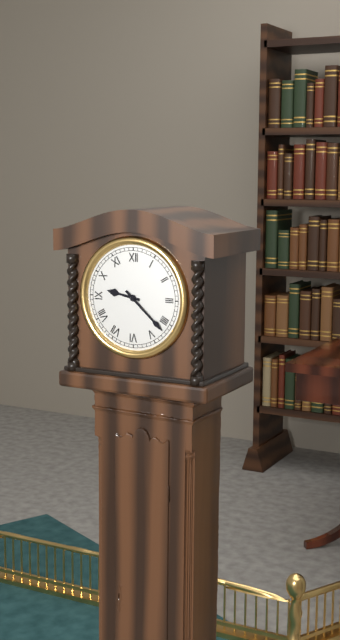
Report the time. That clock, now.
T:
9:22
